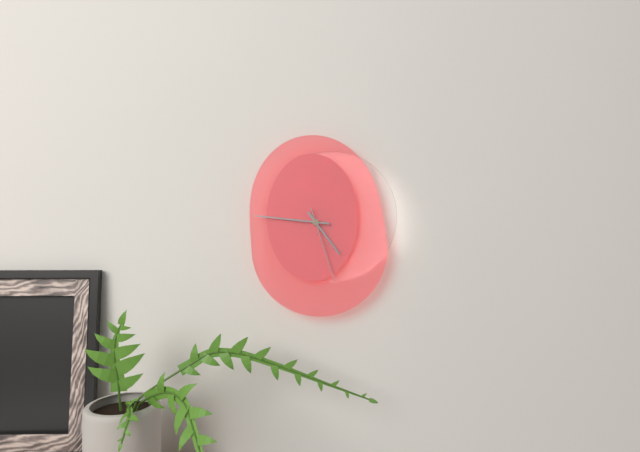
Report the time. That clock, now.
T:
4:46:27
